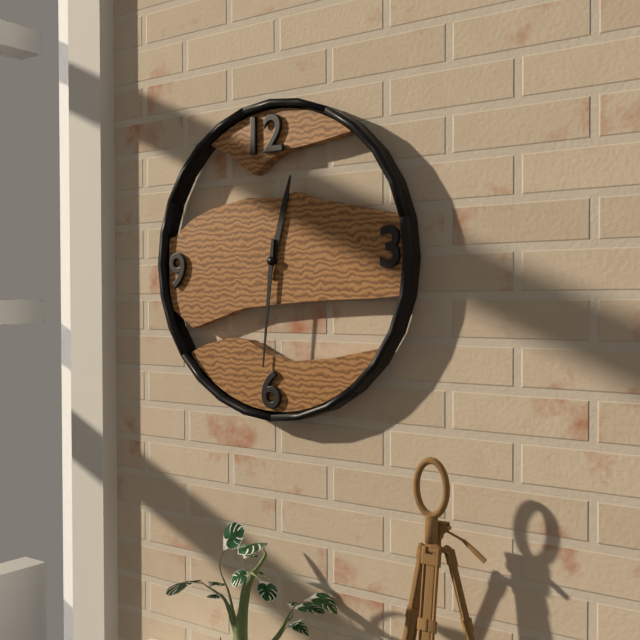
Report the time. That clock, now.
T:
12:31
